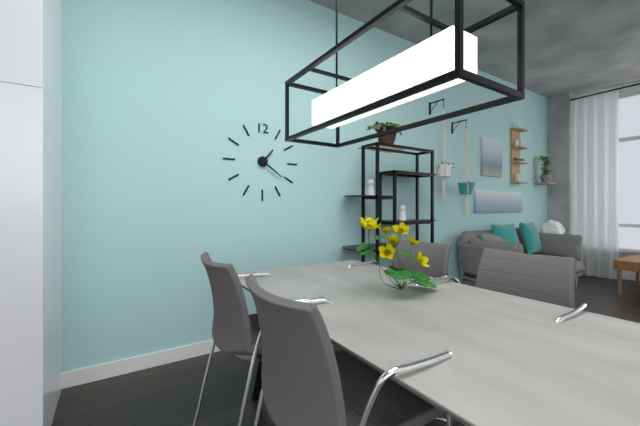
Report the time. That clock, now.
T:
1:21
